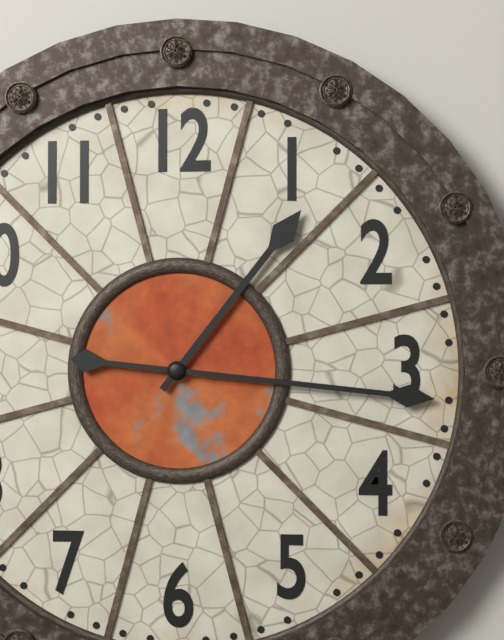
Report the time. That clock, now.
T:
1:16
